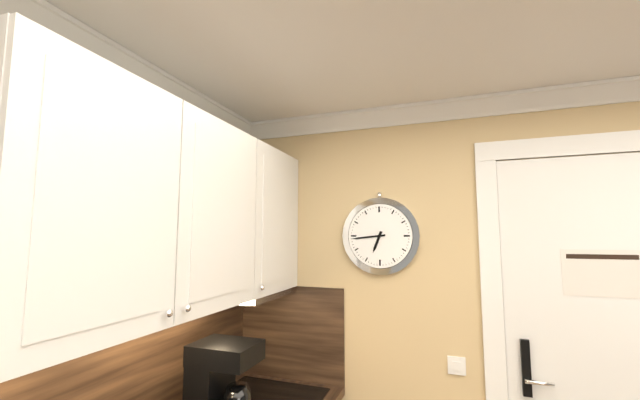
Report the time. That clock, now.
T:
6:44
